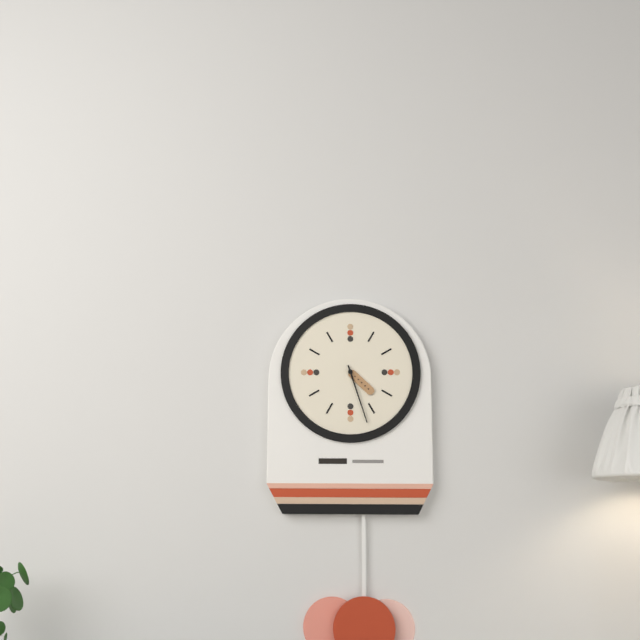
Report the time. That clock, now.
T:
4:27
